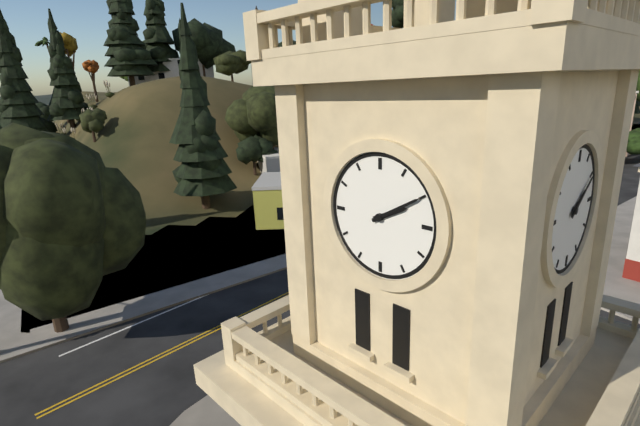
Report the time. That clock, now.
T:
2:10
